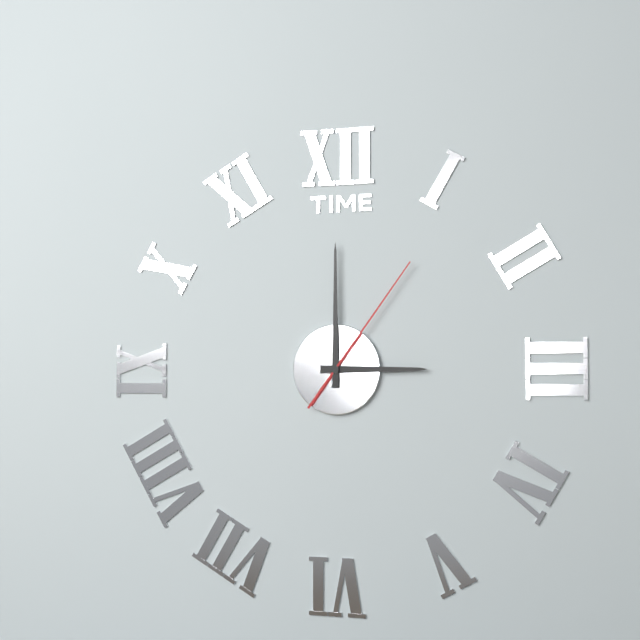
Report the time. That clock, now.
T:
3:00:06
